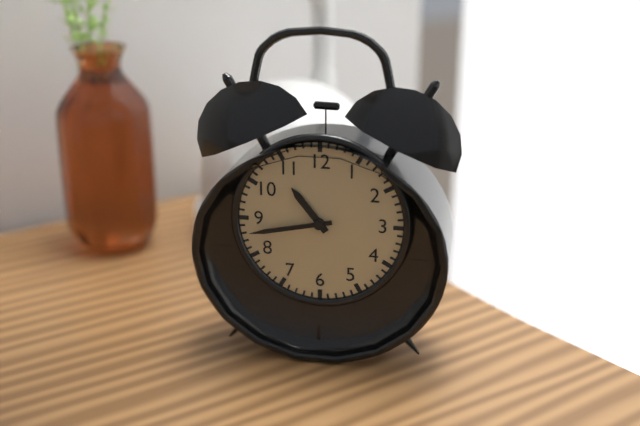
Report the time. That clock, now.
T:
10:43
